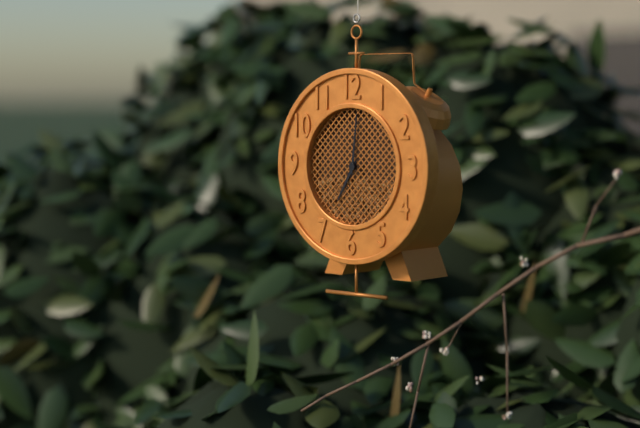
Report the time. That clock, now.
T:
7:01
